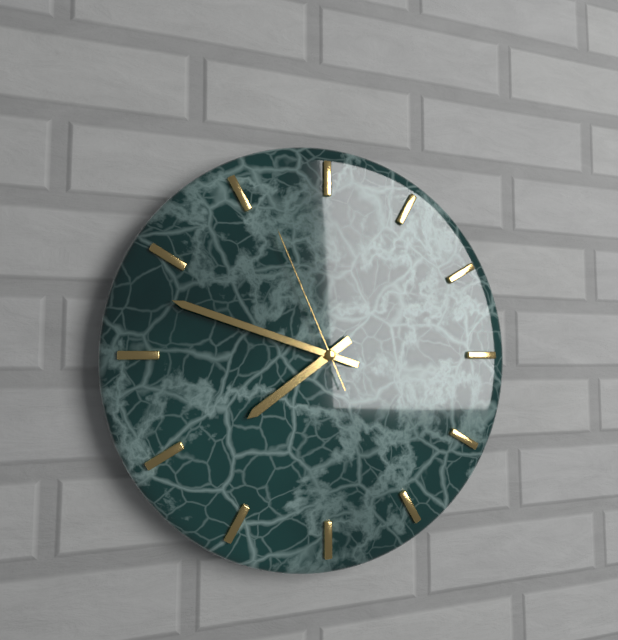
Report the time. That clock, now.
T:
7:48:56
